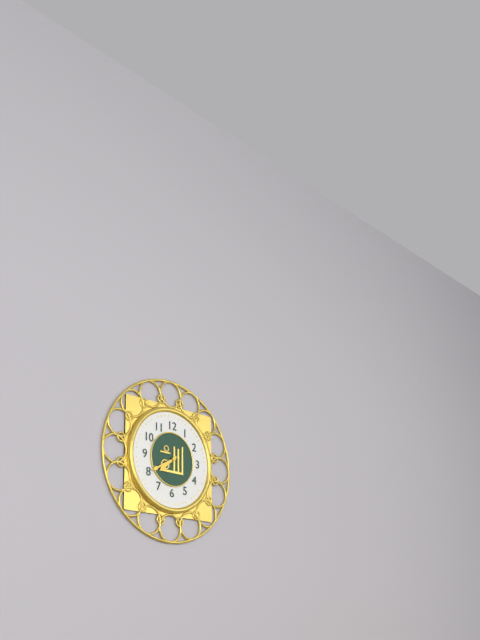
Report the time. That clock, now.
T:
7:40
